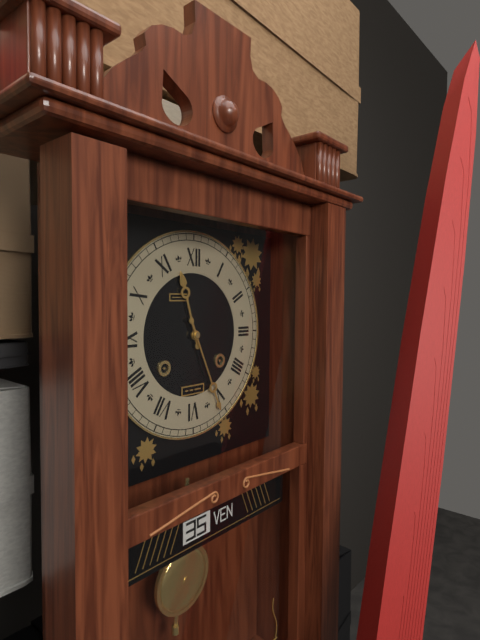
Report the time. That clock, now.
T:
11:26
